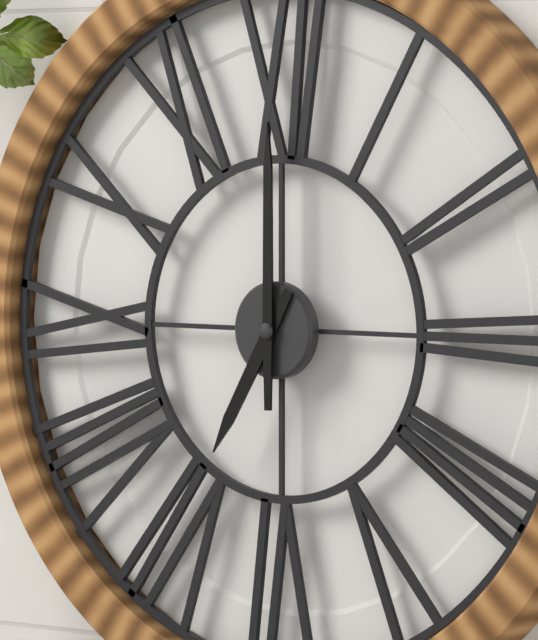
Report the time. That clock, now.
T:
7:00
